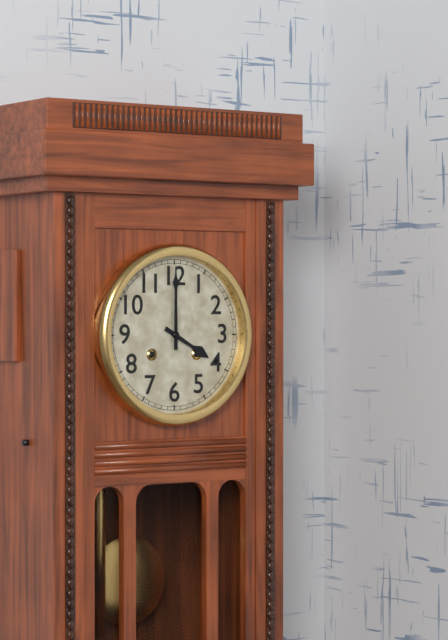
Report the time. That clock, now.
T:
4:00
